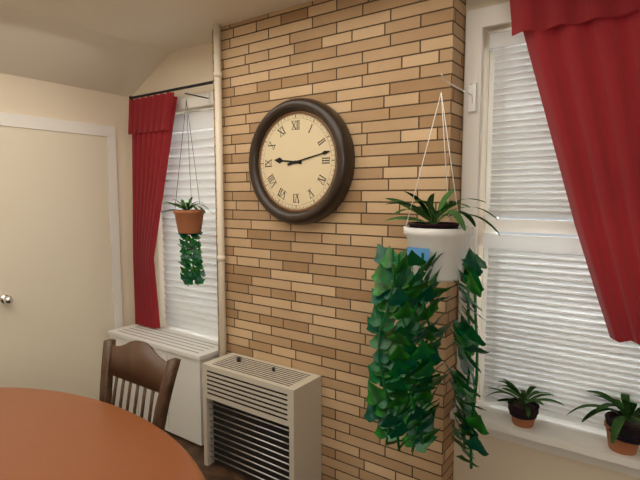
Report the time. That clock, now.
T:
9:13
